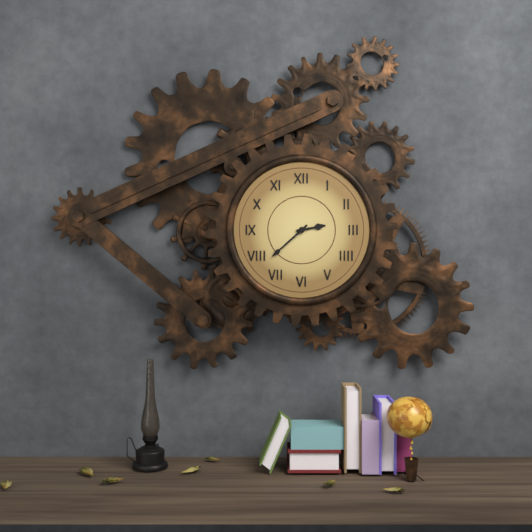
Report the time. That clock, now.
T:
2:38
